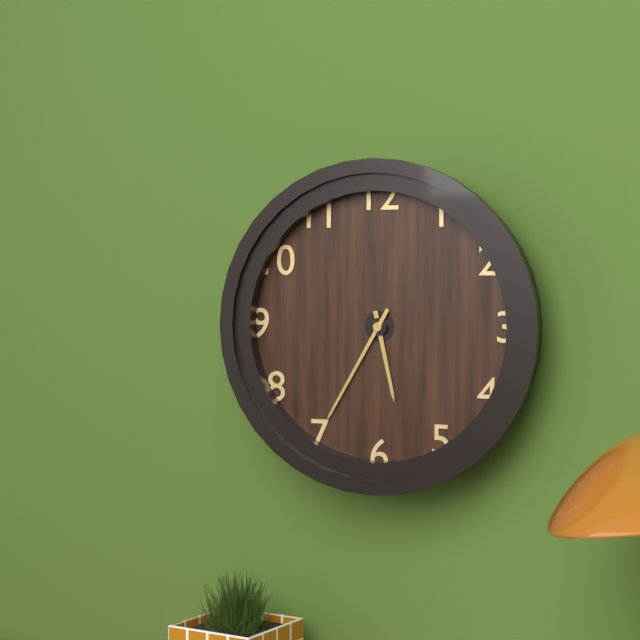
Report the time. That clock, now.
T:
5:35
